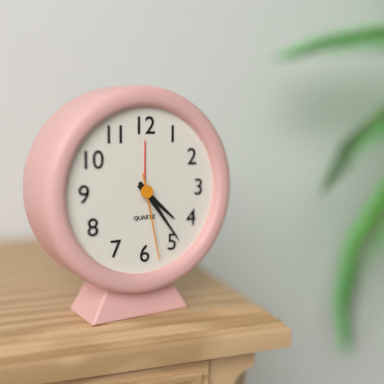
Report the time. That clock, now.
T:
4:24:28
